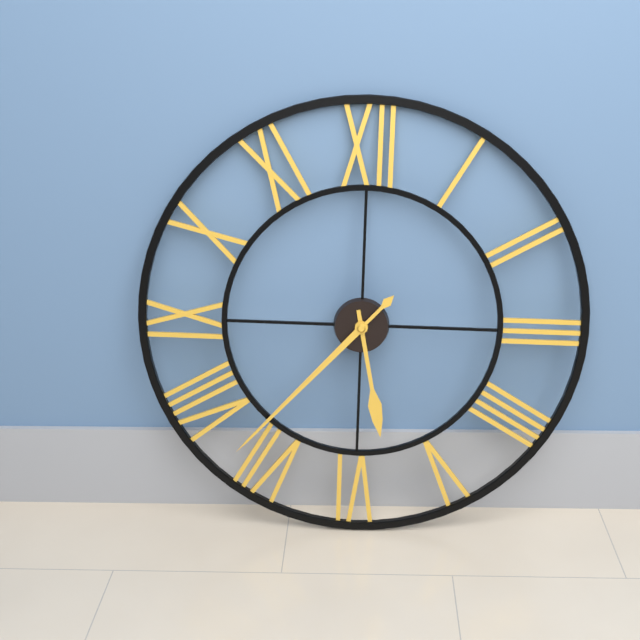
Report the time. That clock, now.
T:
5:37
